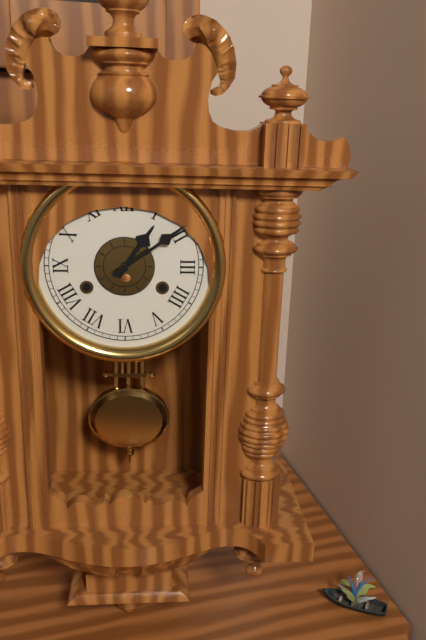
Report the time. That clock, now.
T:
1:09
